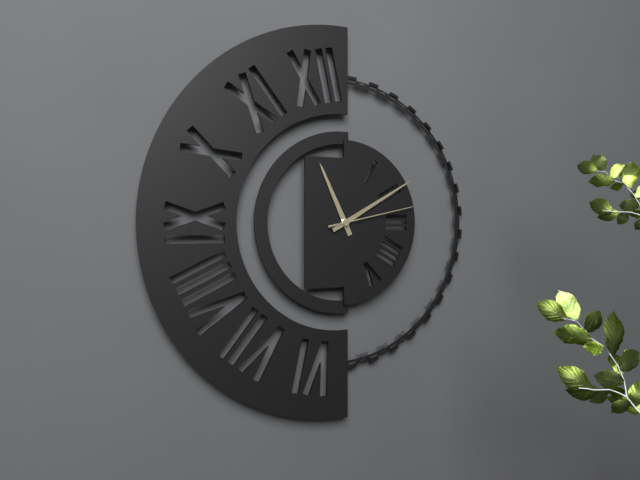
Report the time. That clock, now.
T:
11:10:13
